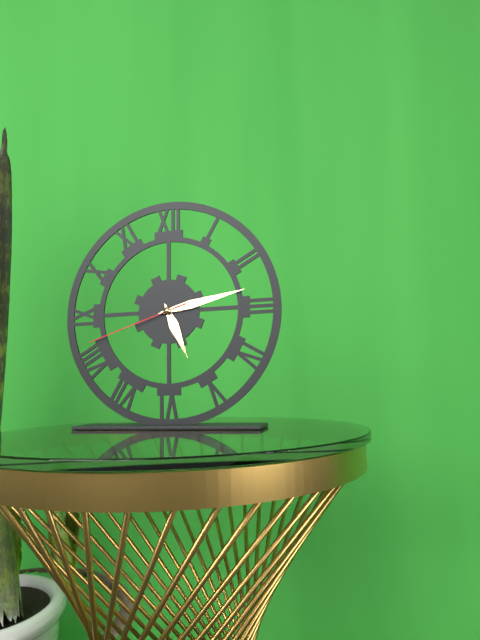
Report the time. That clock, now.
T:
5:13:42
